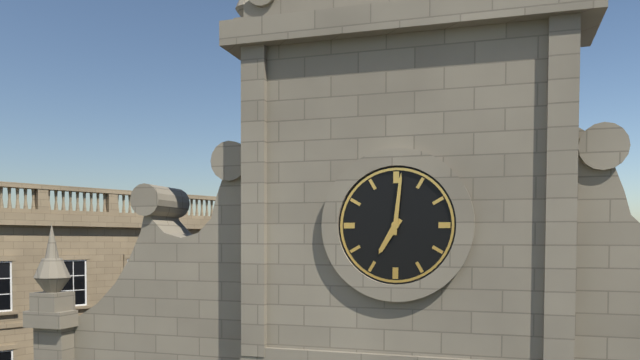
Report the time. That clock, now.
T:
7:01
